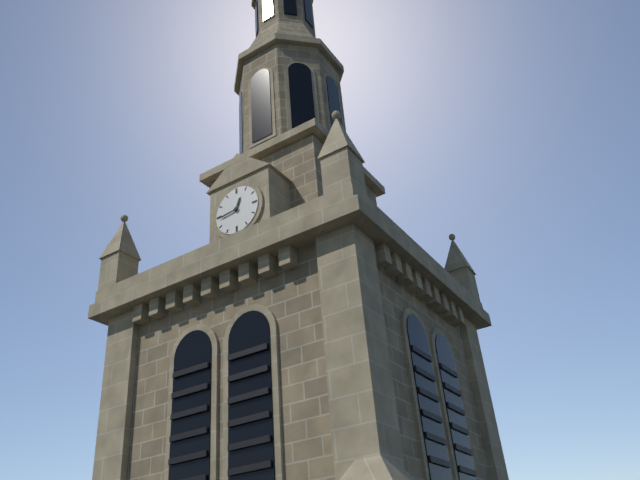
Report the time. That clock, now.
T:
12:44
